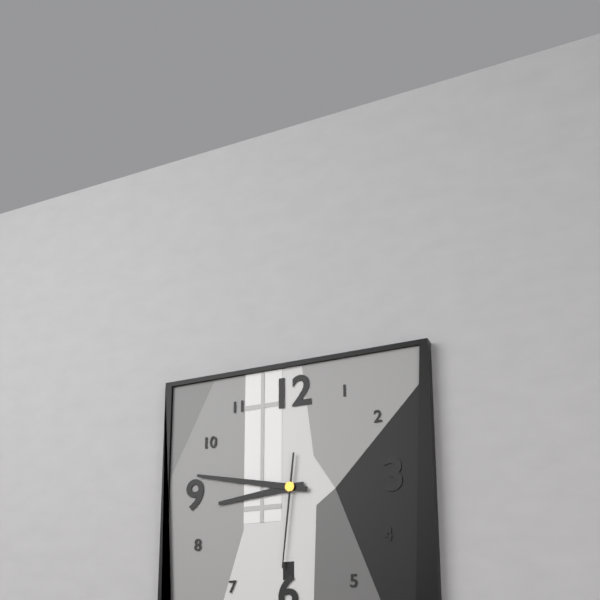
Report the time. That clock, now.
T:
8:47:31
